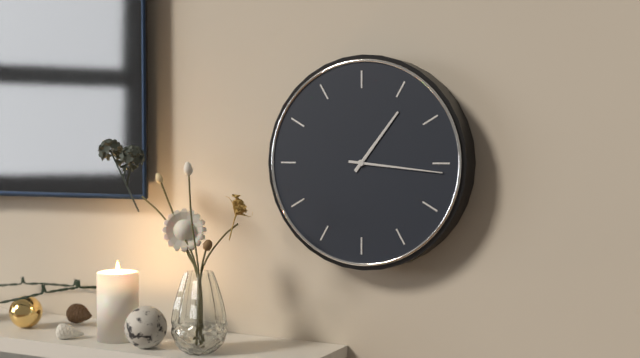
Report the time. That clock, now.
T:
1:16
